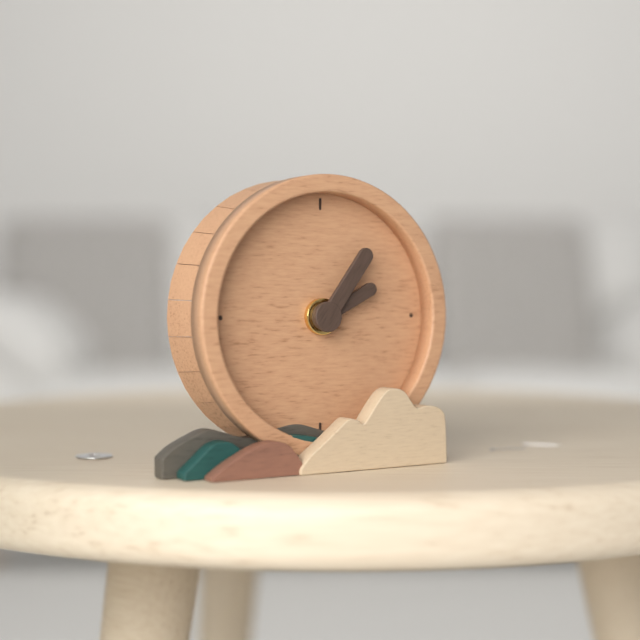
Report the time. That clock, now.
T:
2:06
